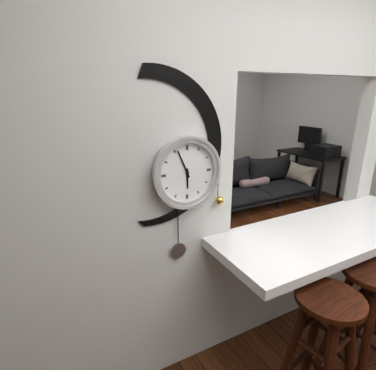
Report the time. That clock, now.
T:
5:56
